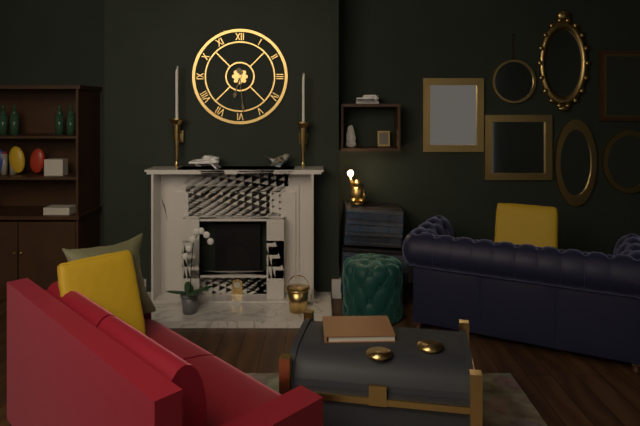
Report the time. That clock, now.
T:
6:29
